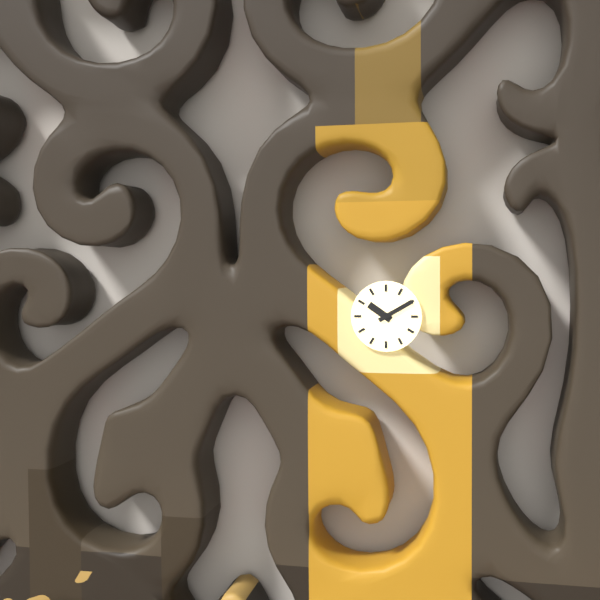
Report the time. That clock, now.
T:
10:10
